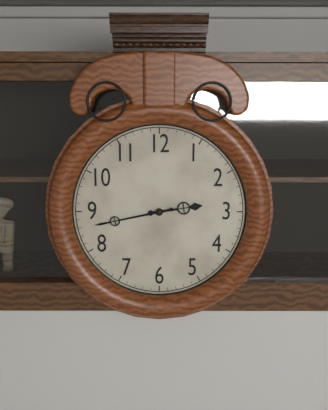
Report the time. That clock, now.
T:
2:43
